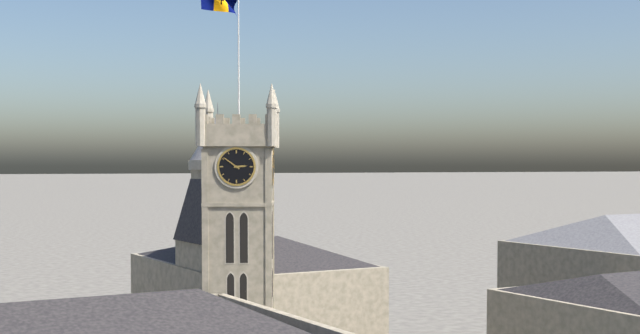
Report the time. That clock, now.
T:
2:51
